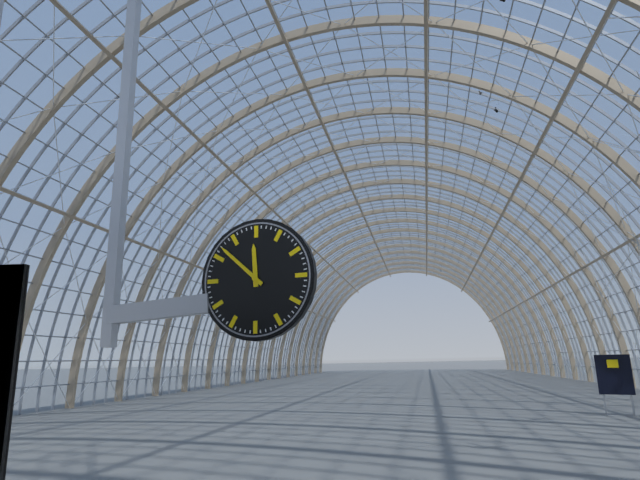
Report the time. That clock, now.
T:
11:52
